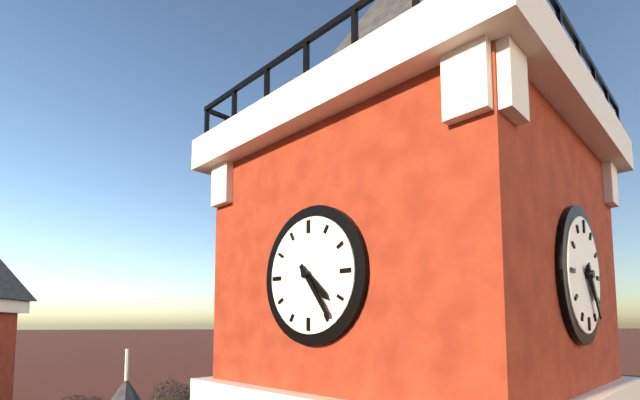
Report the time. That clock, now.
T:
4:24
